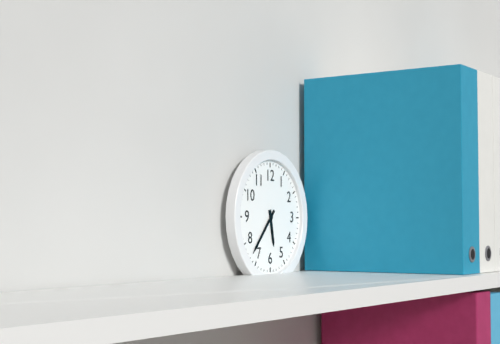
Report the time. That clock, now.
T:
5:37
